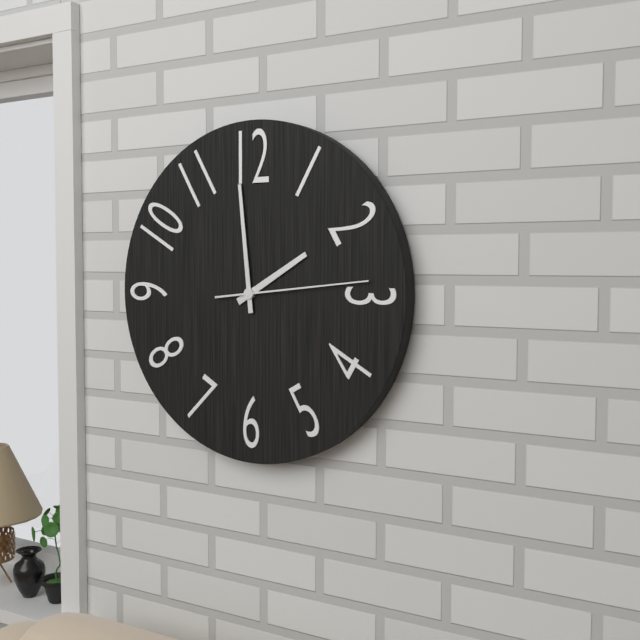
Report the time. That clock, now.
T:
1:59:14
